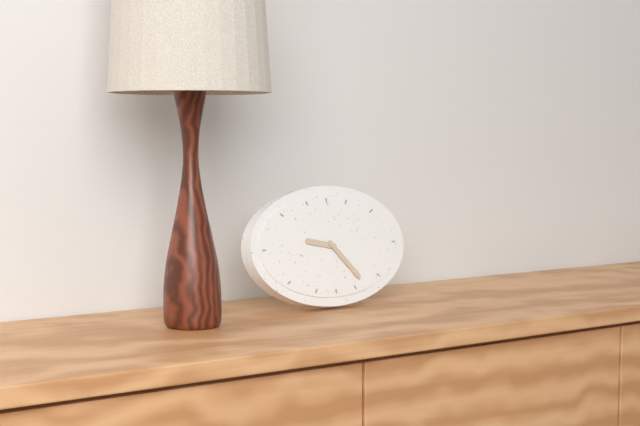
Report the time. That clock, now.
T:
9:23
